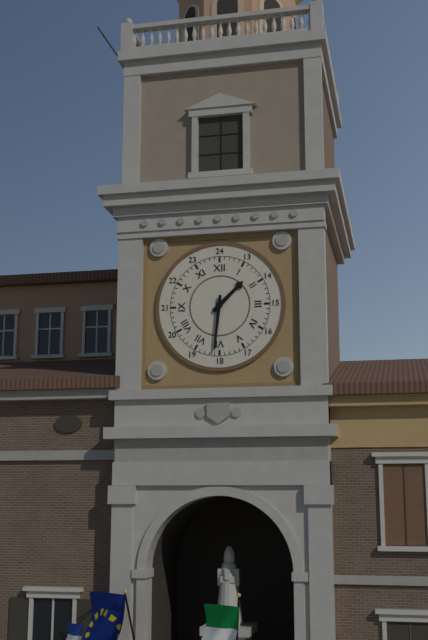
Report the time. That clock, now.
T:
1:31
